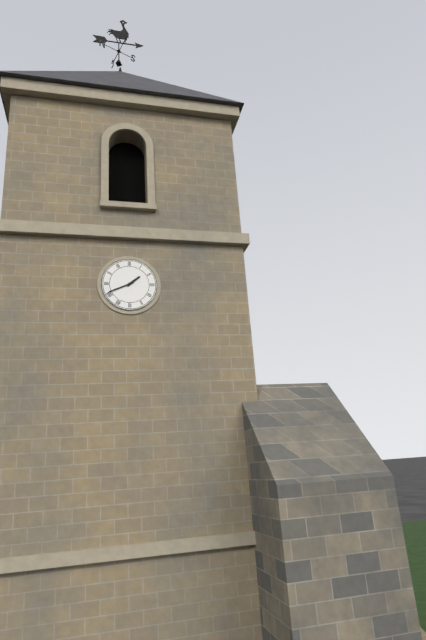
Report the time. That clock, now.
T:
1:41
